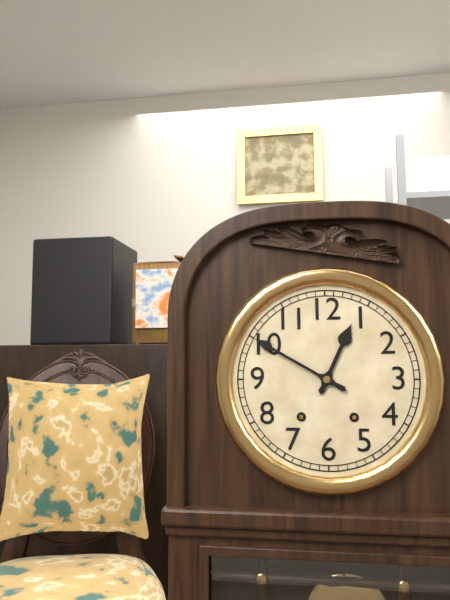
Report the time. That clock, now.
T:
12:50
